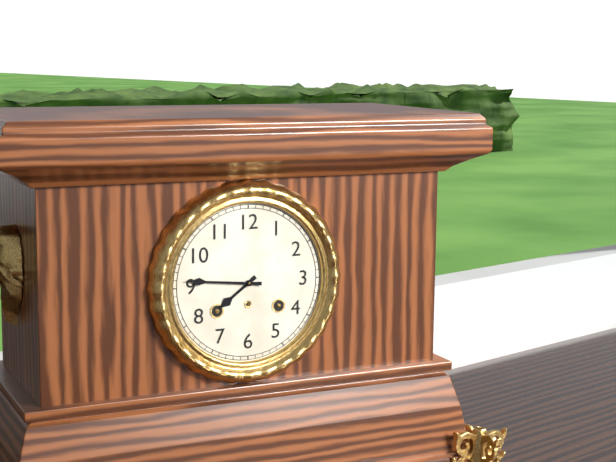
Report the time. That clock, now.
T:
7:46
